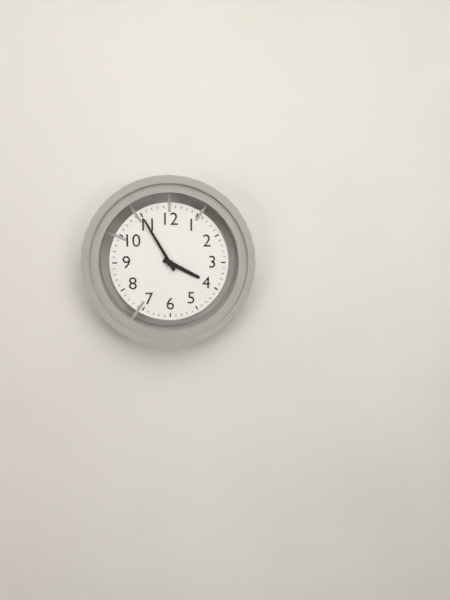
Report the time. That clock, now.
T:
3:55
